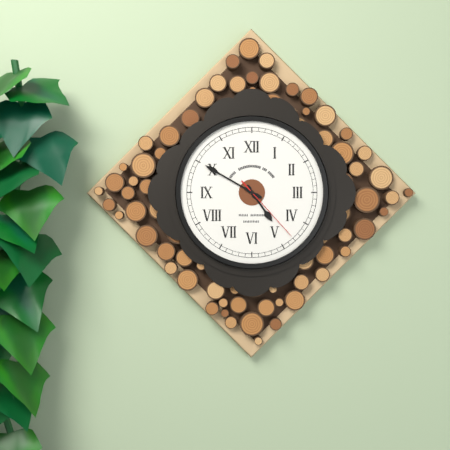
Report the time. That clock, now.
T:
4:50:23
